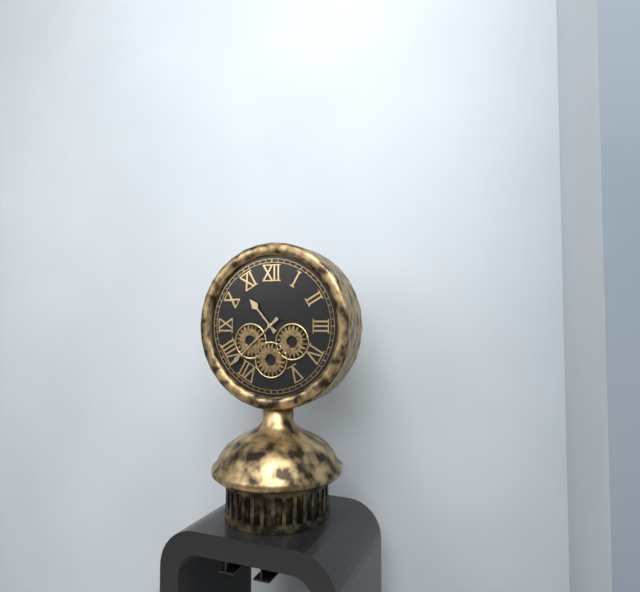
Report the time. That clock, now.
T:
10:38
